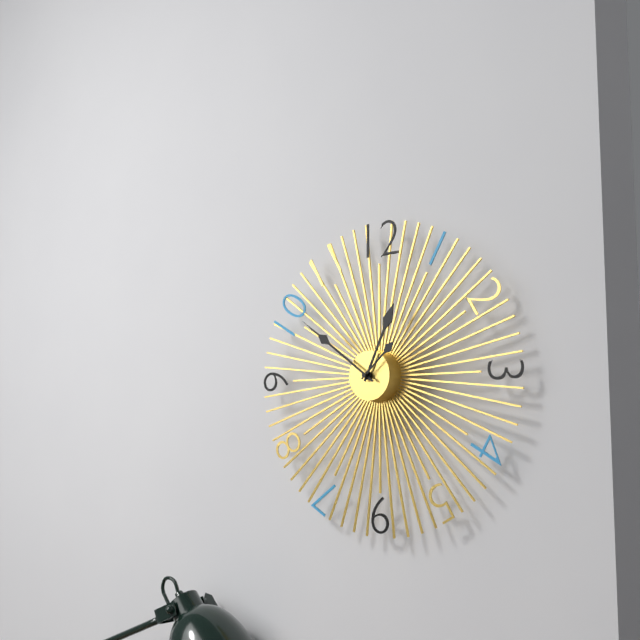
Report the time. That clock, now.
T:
12:51
